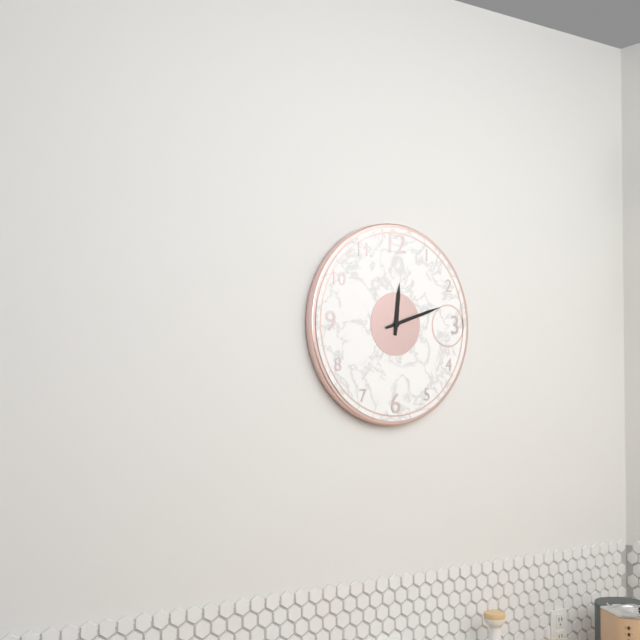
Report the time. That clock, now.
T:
12:12
